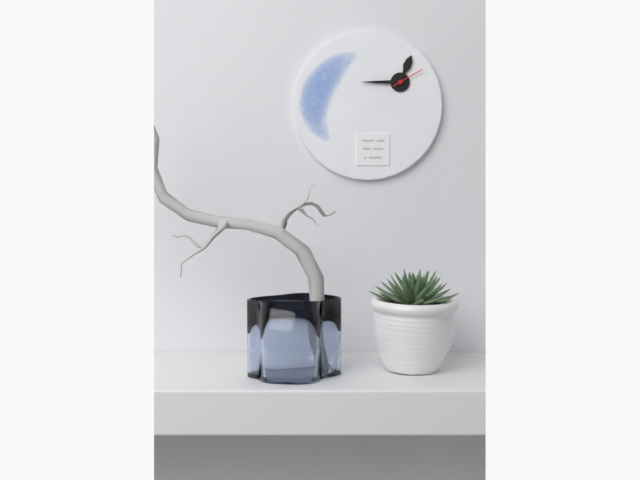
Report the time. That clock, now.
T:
12:45
